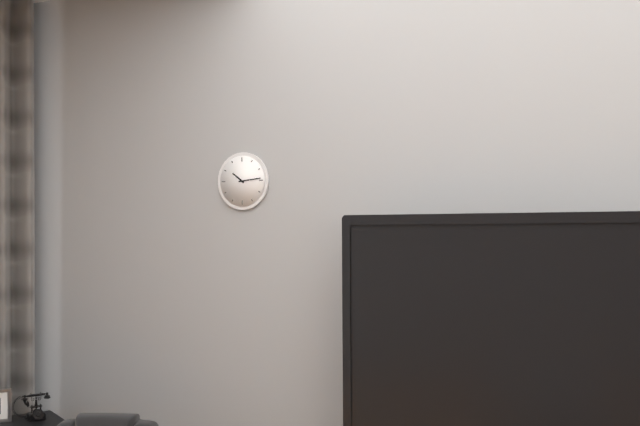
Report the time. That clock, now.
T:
10:14
